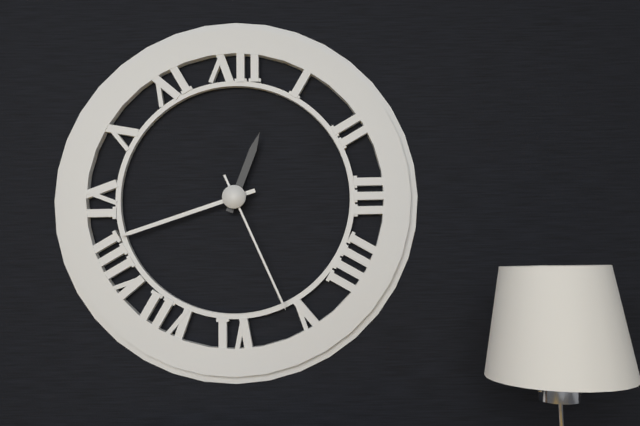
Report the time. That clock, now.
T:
12:42:26
